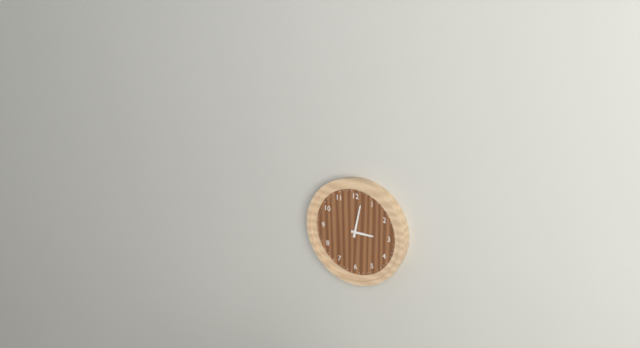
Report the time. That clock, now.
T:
3:02
